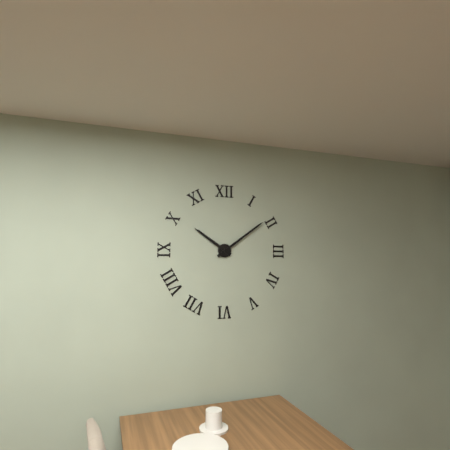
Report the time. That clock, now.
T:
10:09
